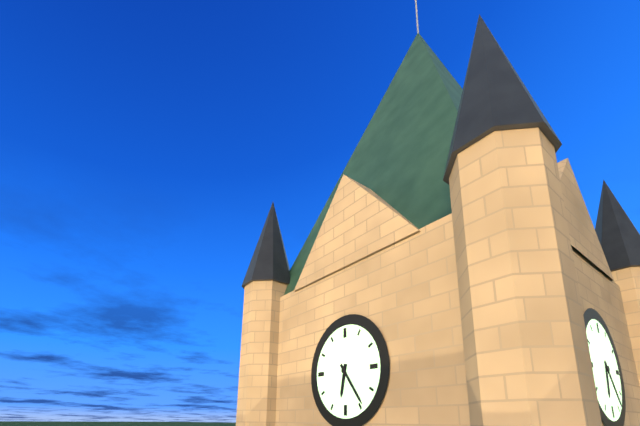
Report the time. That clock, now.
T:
6:24
